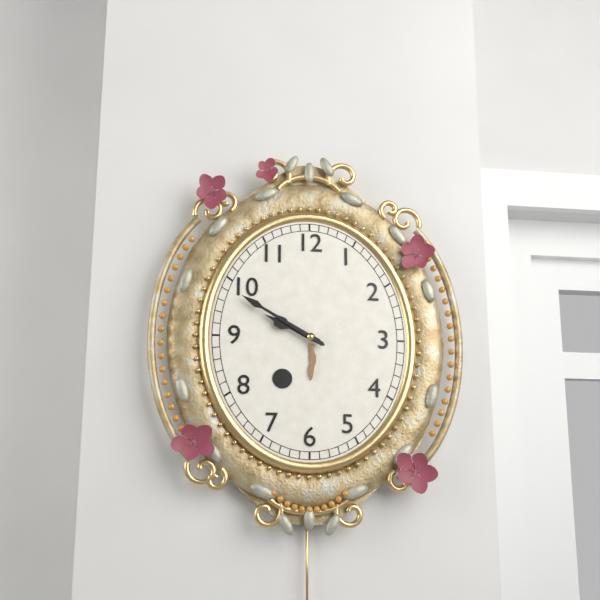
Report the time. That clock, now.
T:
9:50
